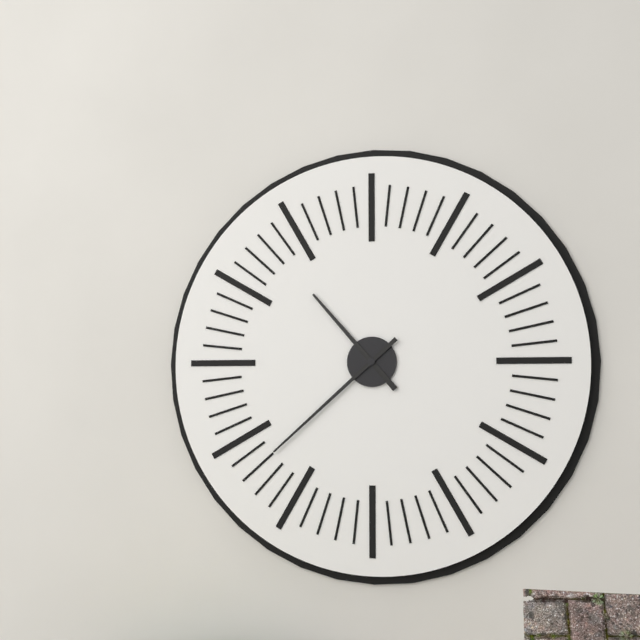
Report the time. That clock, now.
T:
10:38
